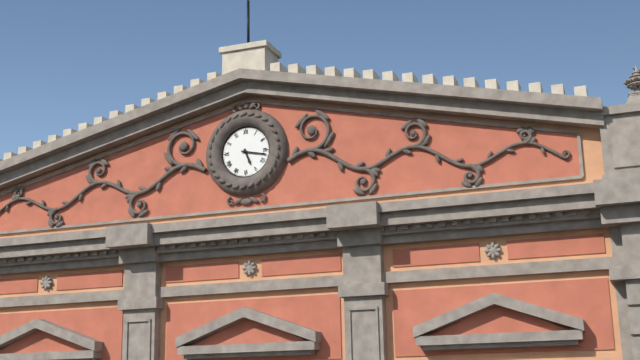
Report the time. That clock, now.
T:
5:17
